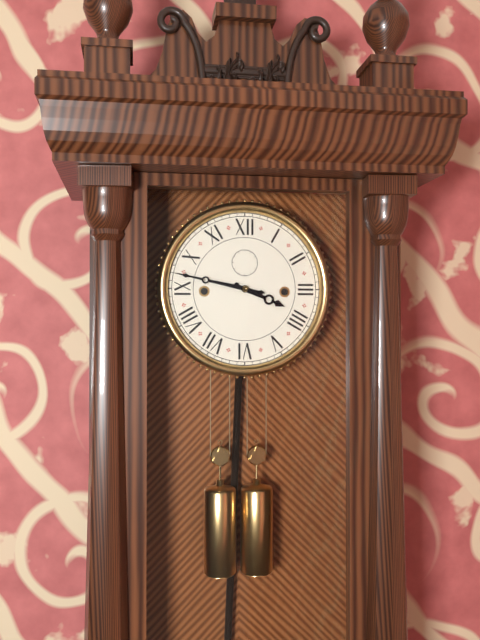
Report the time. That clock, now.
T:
3:47
